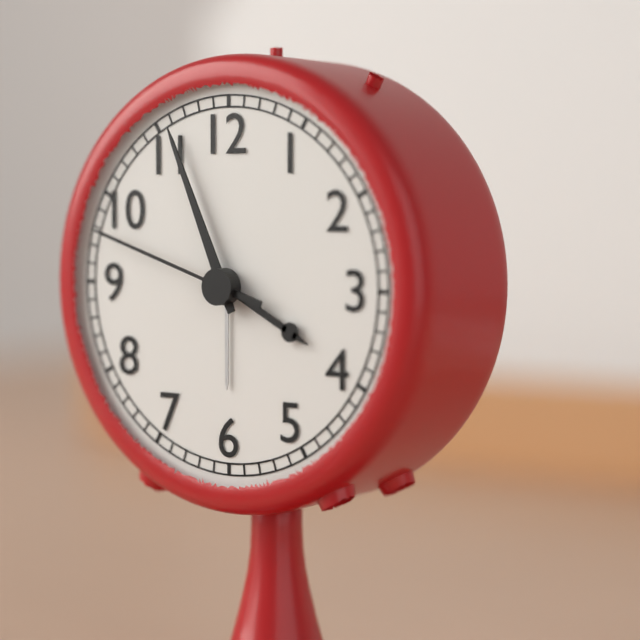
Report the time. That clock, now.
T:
3:56:48
